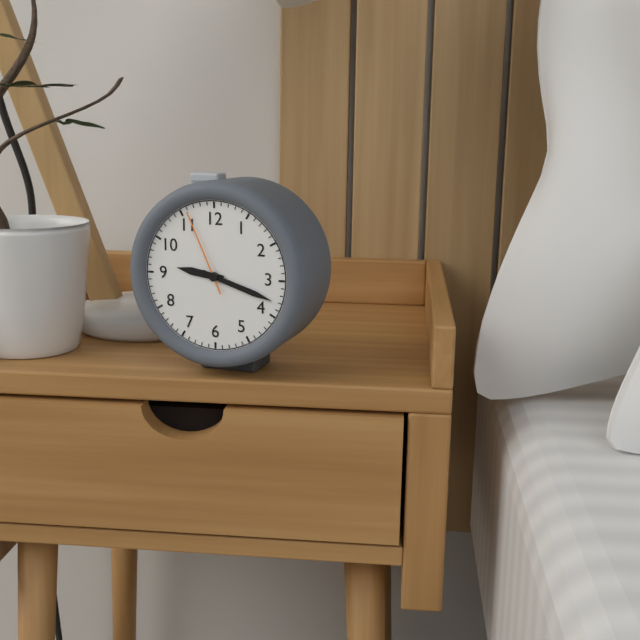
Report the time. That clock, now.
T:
9:18:56
